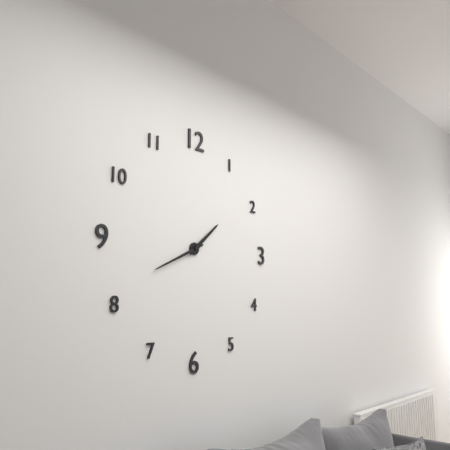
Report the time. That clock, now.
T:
1:41
